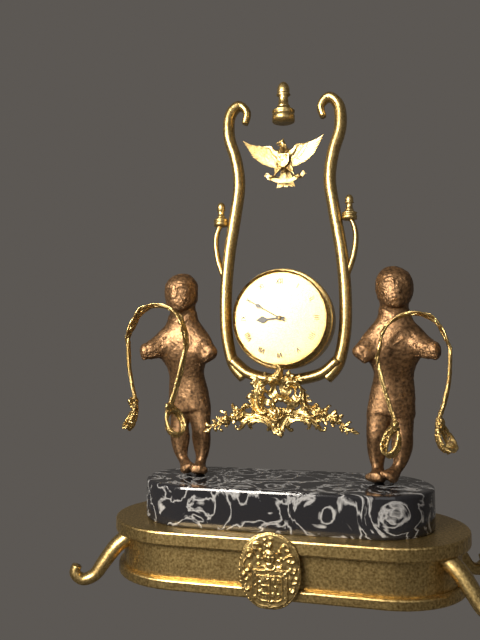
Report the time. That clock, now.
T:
8:50
